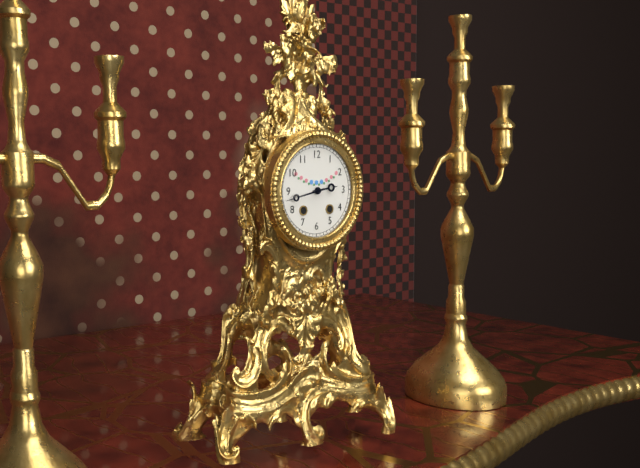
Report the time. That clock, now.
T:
2:43
